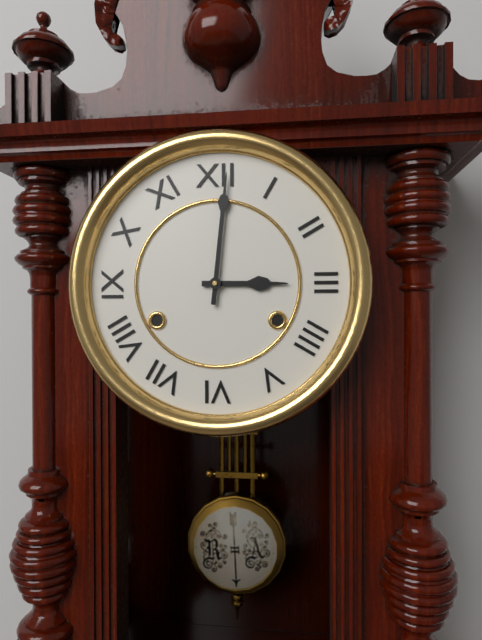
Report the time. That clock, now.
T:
3:01
